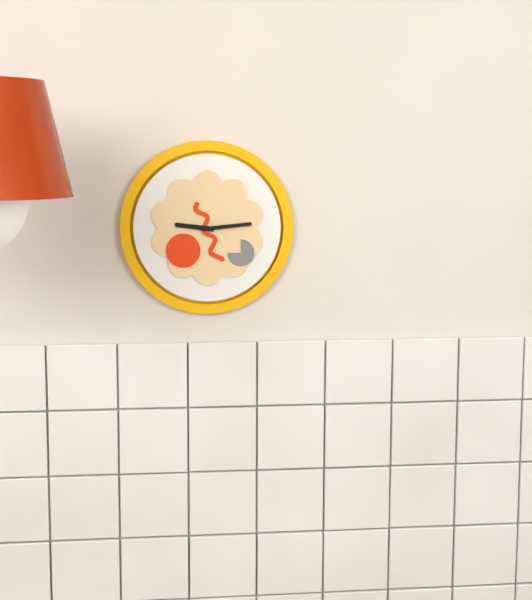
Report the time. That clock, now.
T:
9:14
